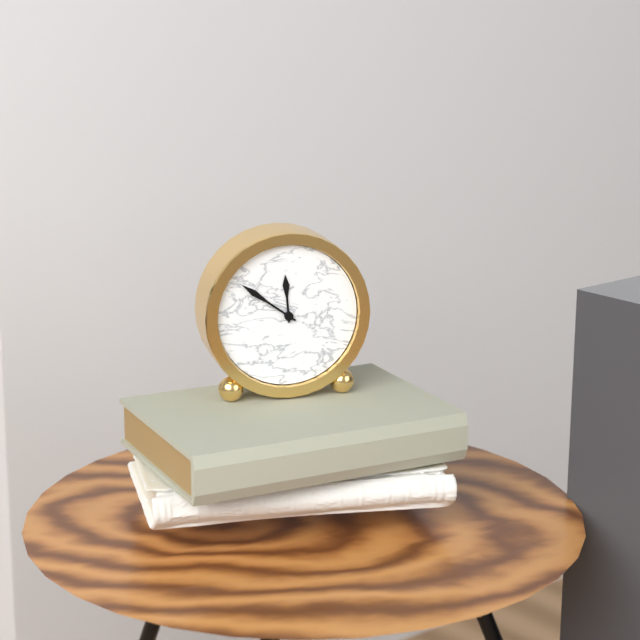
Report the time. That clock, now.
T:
11:51
